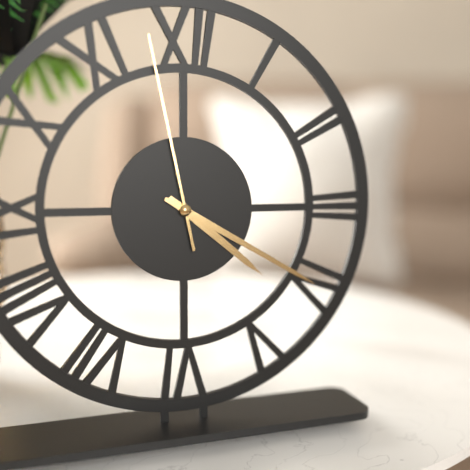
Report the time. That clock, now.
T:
4:20:58
